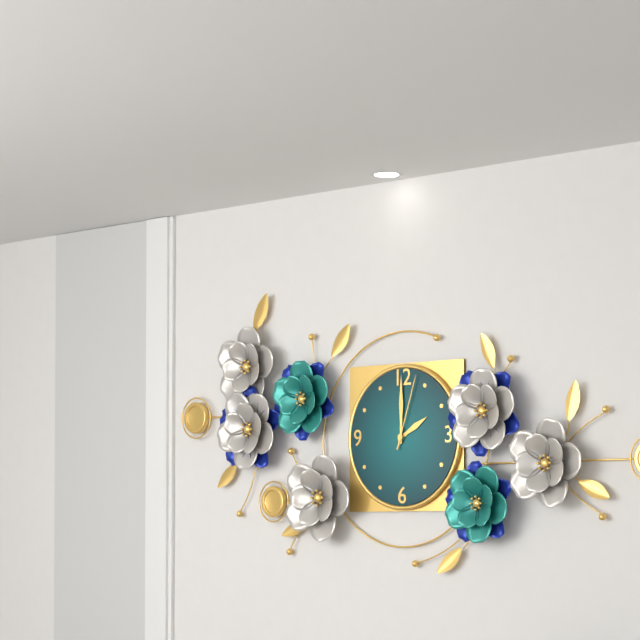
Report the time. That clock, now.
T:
2:00:03
